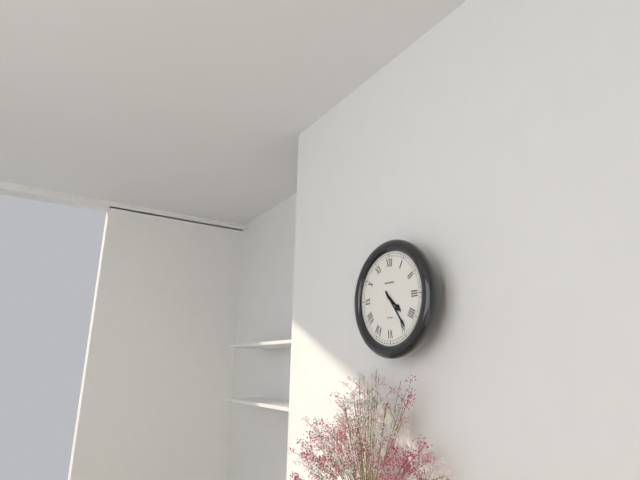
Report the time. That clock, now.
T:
4:24
